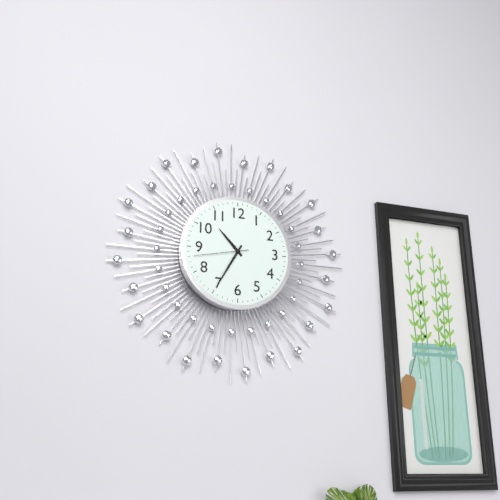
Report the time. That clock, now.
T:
10:35:43
